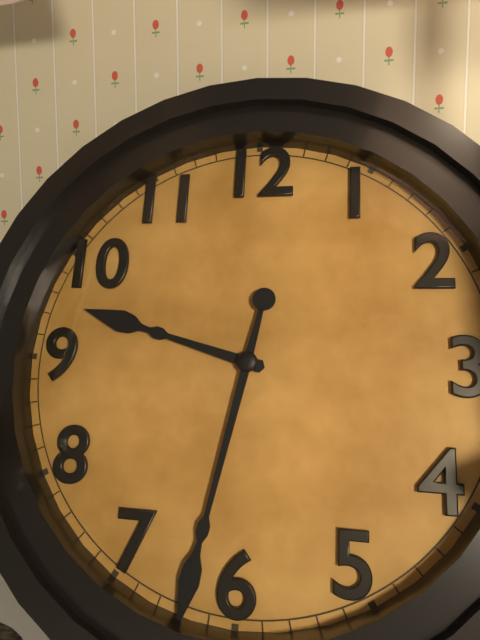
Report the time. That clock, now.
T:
9:32
